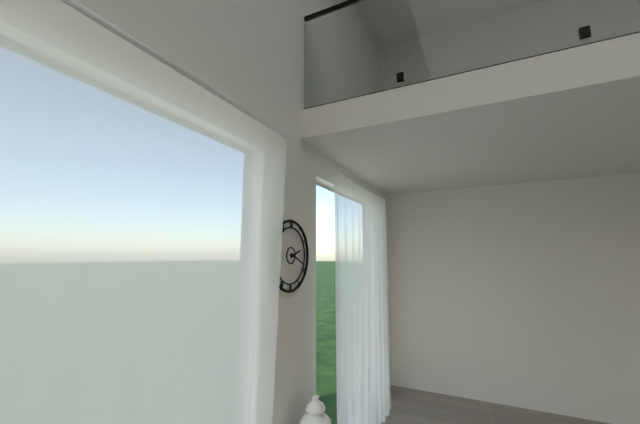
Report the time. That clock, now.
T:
2:19
